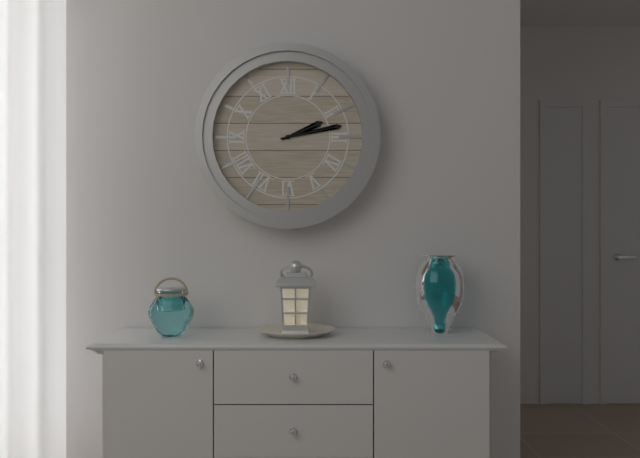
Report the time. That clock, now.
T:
2:13
